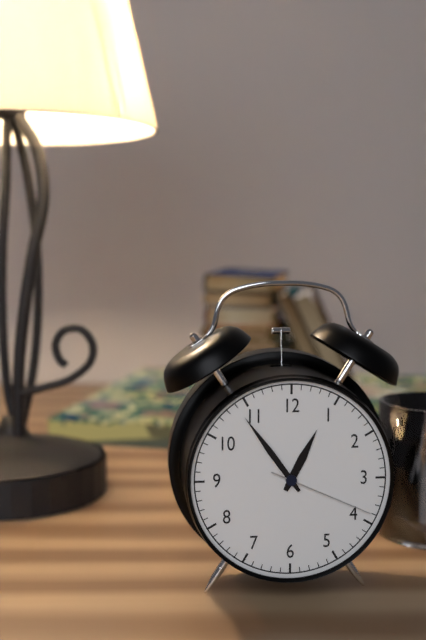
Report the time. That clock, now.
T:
12:54:19
